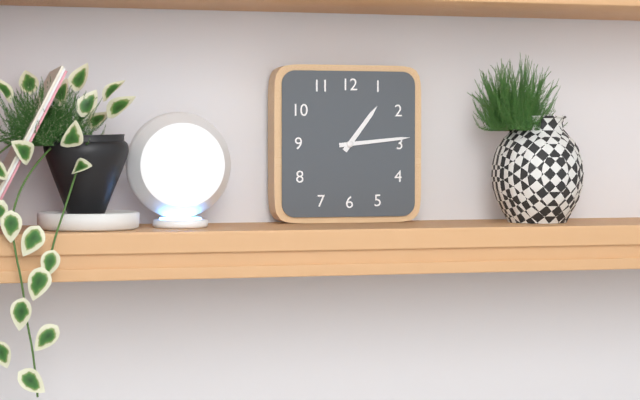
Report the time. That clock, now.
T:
1:14
